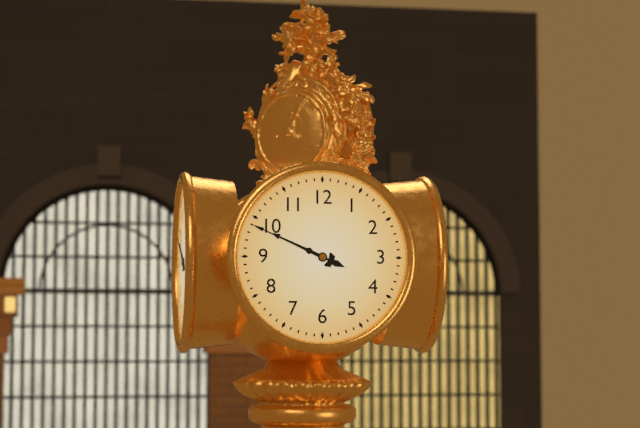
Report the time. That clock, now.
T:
9:49
